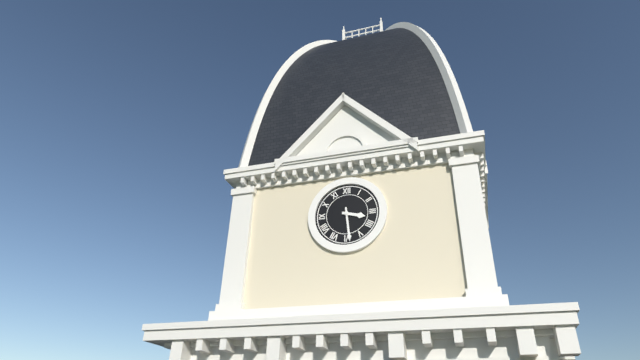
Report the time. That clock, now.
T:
3:29
